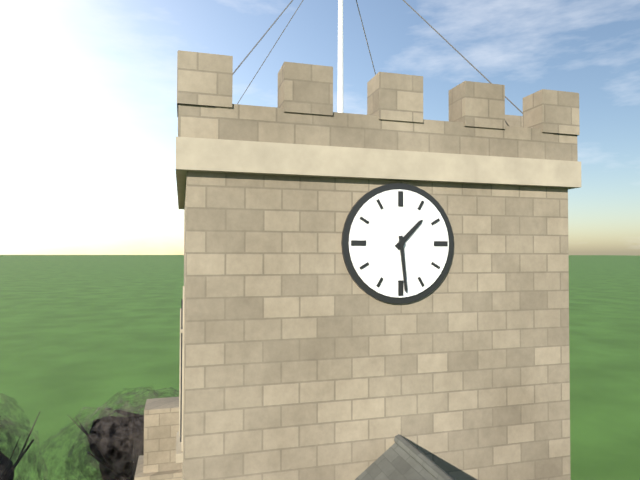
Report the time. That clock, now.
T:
1:29
